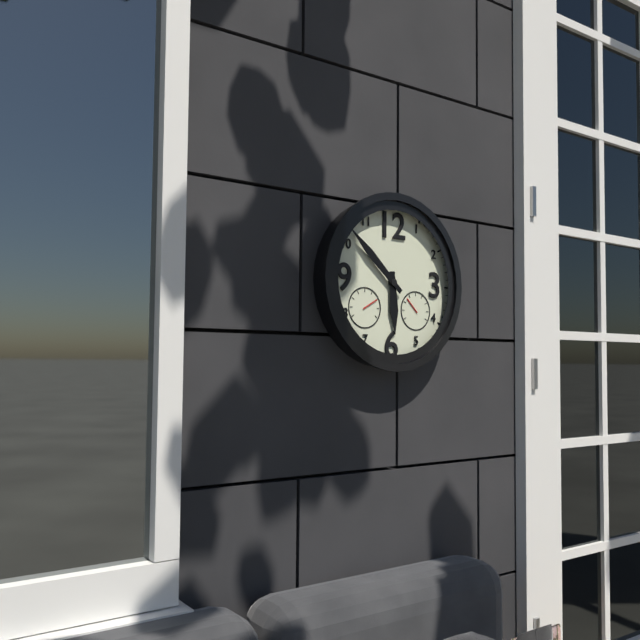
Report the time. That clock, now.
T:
5:52
